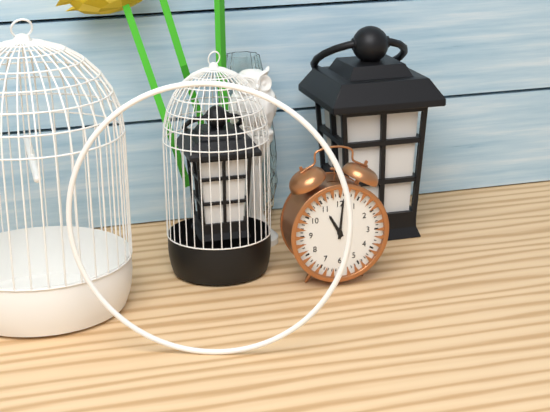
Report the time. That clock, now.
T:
11:01
